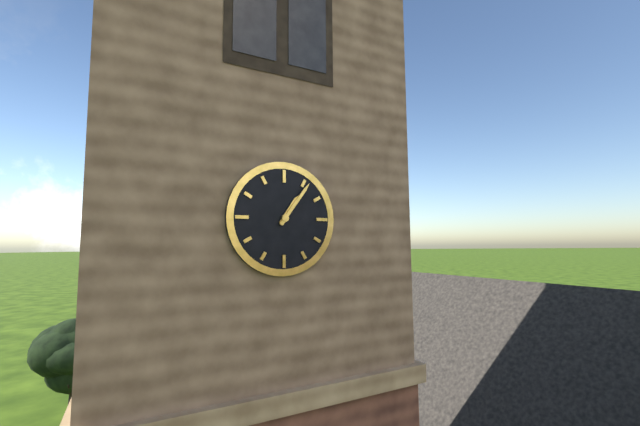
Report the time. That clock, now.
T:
1:06
